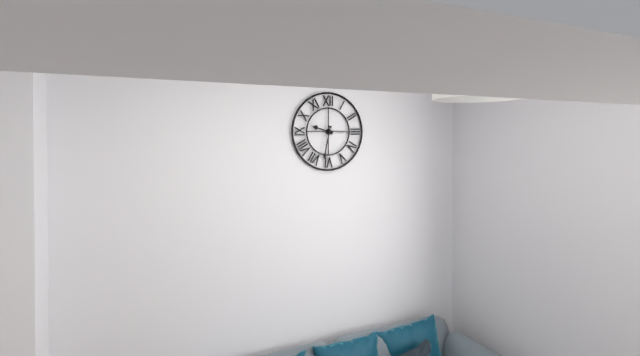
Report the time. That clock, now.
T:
9:32
